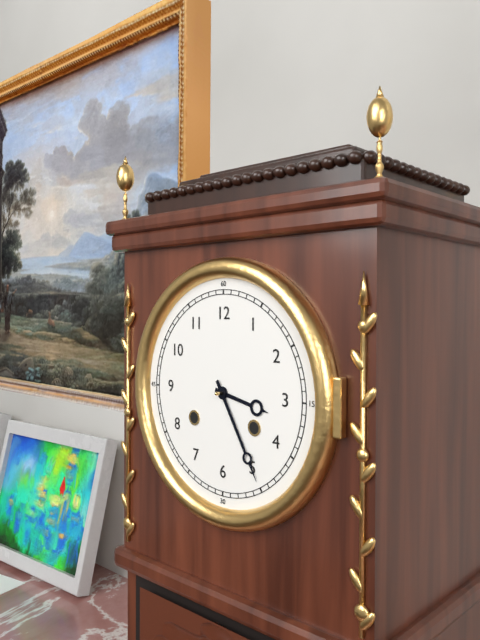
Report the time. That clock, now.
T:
3:25
